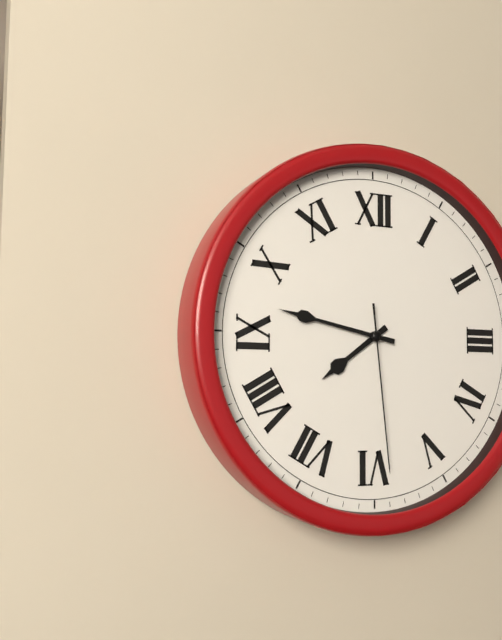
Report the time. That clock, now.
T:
7:47:29
